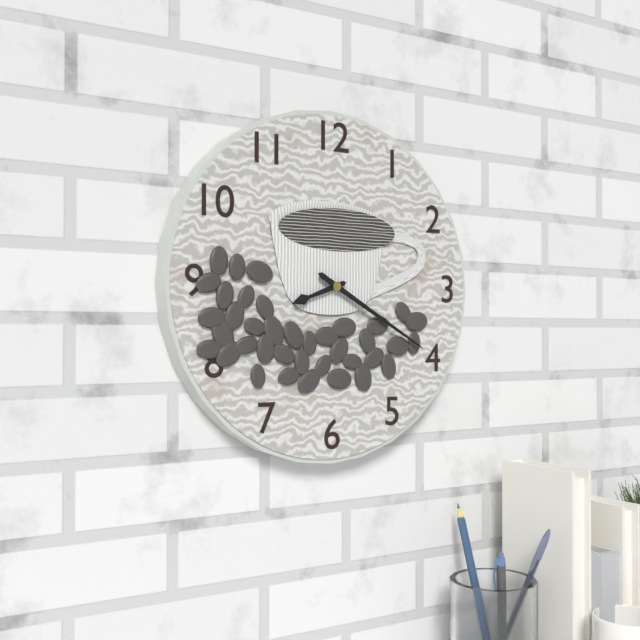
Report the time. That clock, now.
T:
8:20
